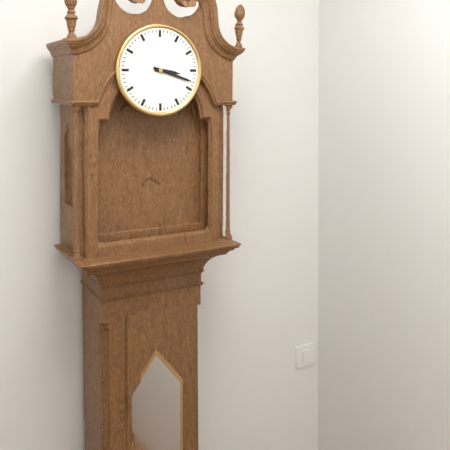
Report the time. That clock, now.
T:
3:18
